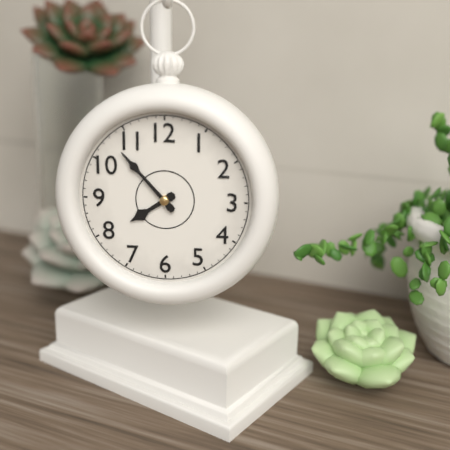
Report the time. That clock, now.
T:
7:53
